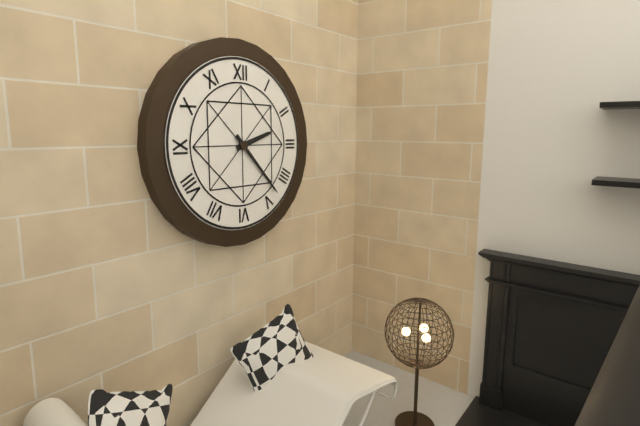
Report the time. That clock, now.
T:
2:23
